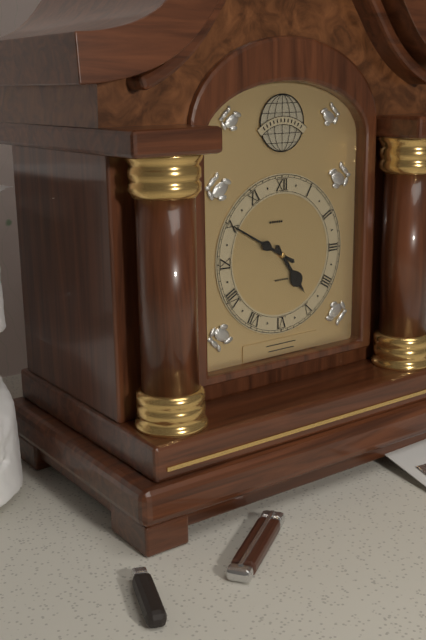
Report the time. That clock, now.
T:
4:50
